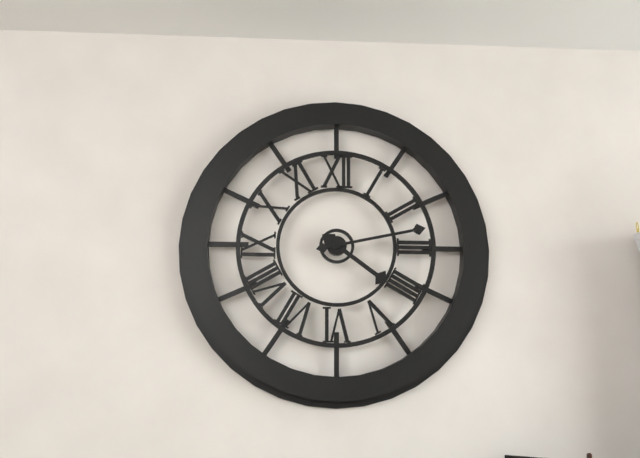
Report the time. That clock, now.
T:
4:13
